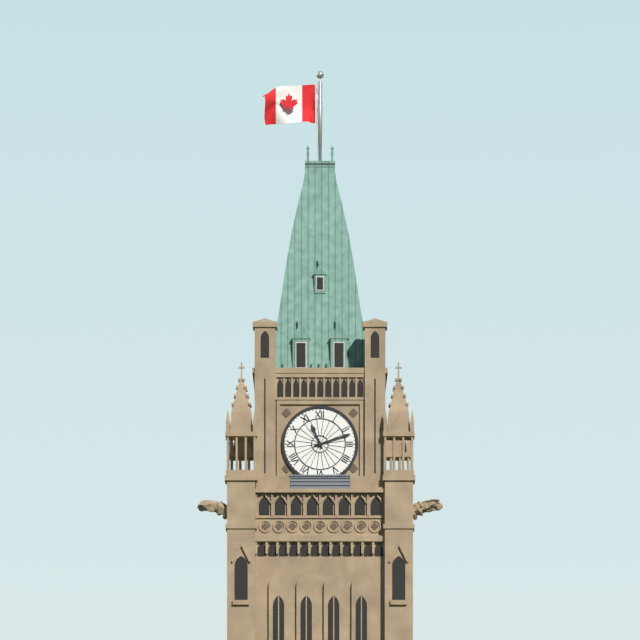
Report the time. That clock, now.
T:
11:12
